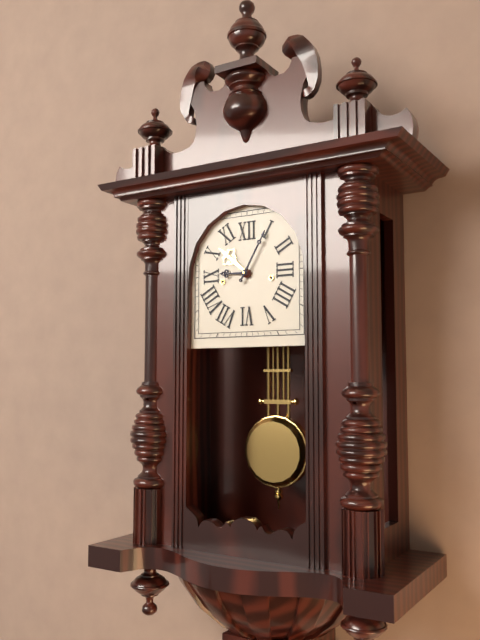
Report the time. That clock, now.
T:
9:05
